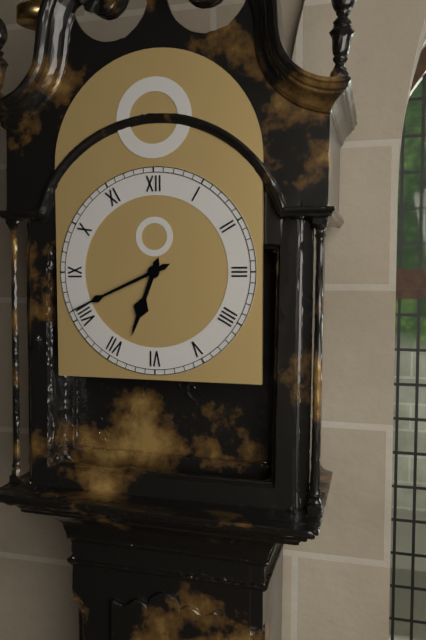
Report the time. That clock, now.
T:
6:41
